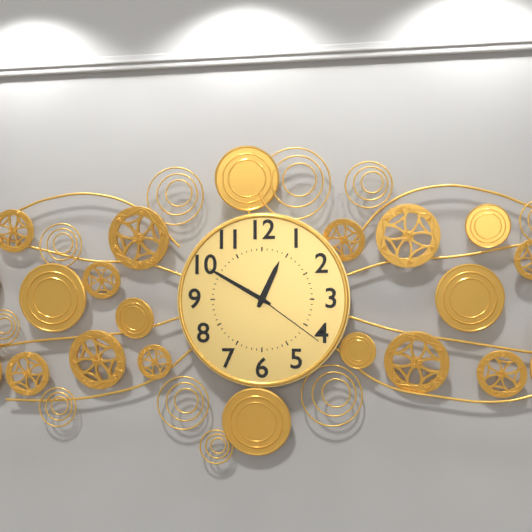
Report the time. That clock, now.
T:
12:50:21
